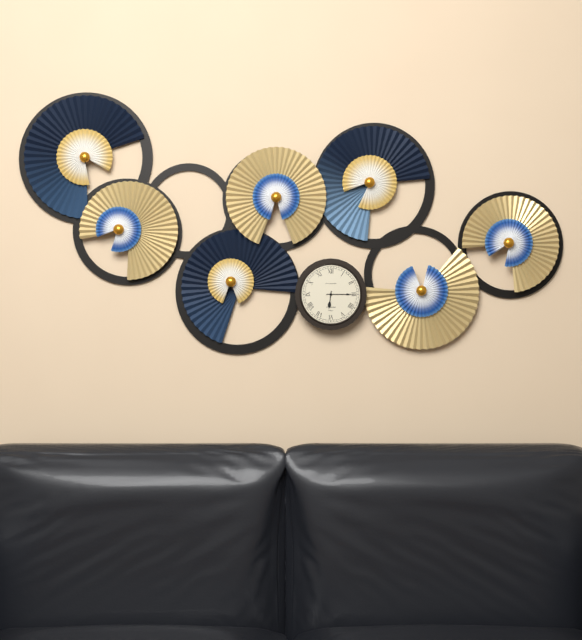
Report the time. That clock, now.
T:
6:15
